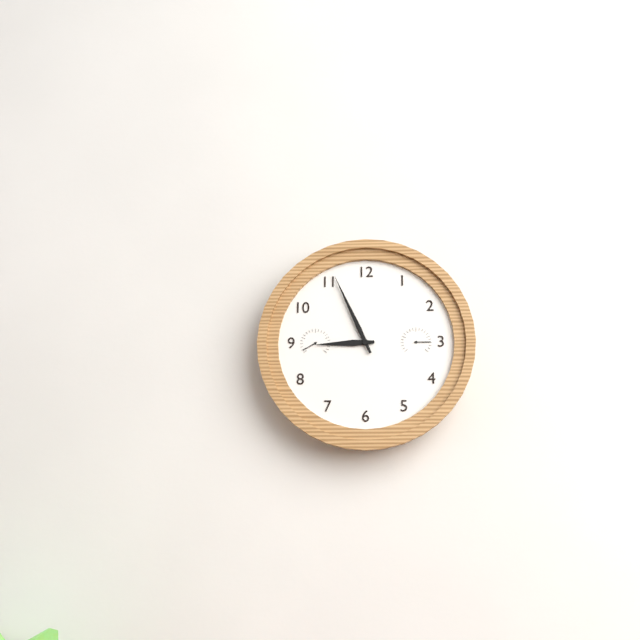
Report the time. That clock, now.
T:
8:56
